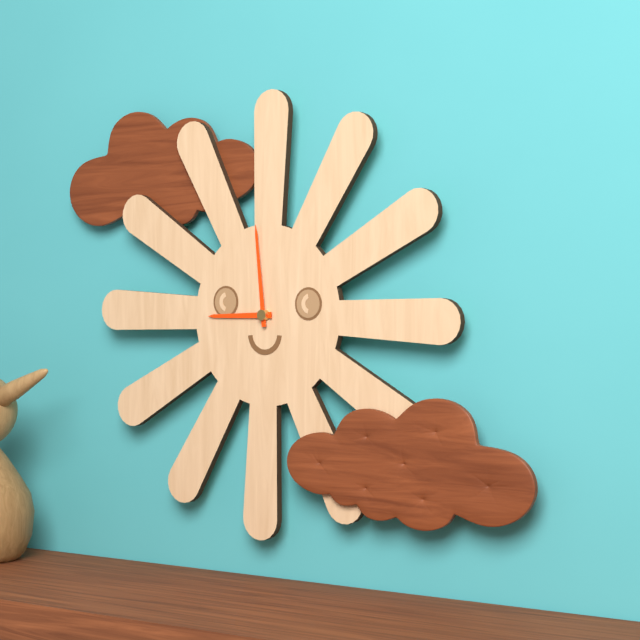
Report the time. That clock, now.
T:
8:59
